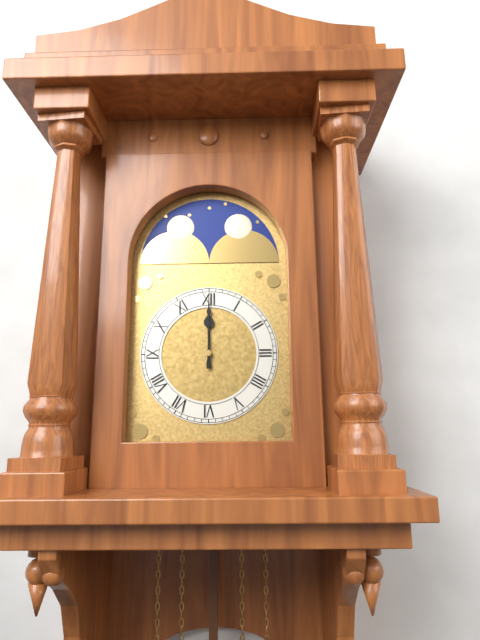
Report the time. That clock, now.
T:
12:00
